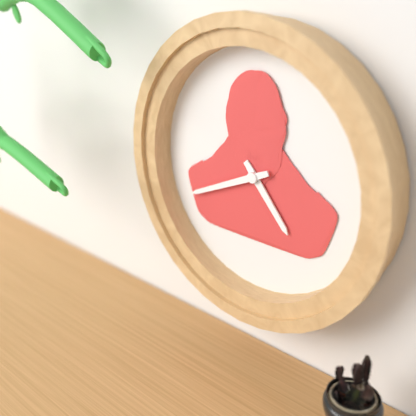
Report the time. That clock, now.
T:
4:41
